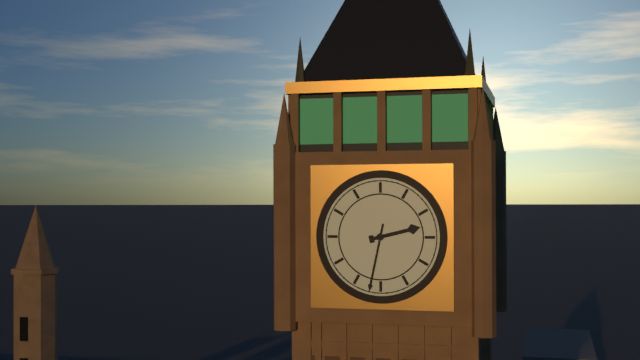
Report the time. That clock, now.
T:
2:32
